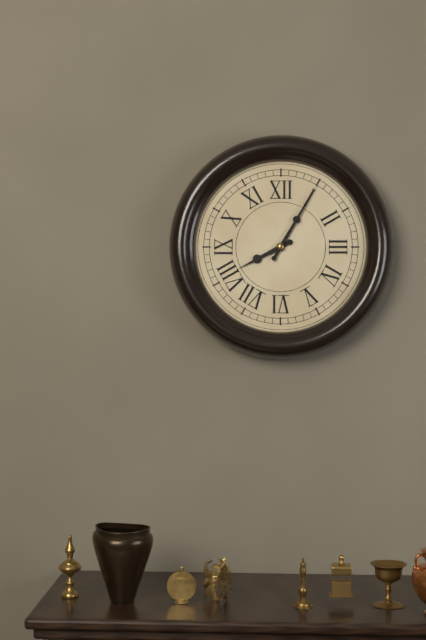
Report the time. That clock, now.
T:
8:05
